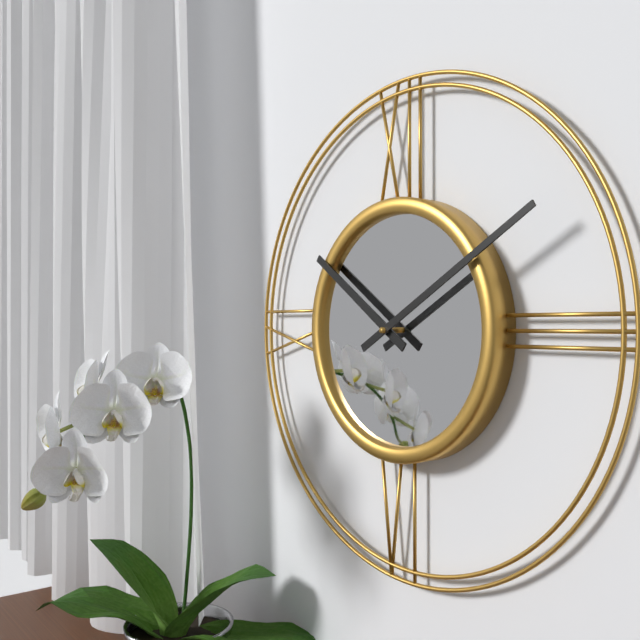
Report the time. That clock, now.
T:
10:10
